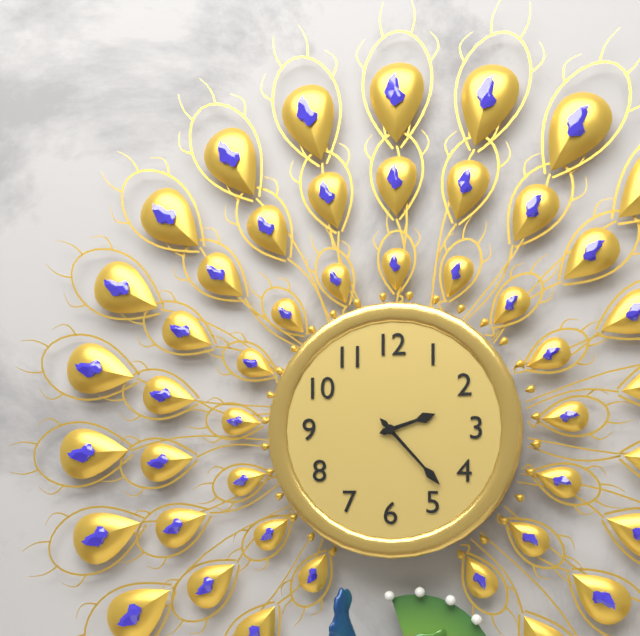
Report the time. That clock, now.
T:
2:23
